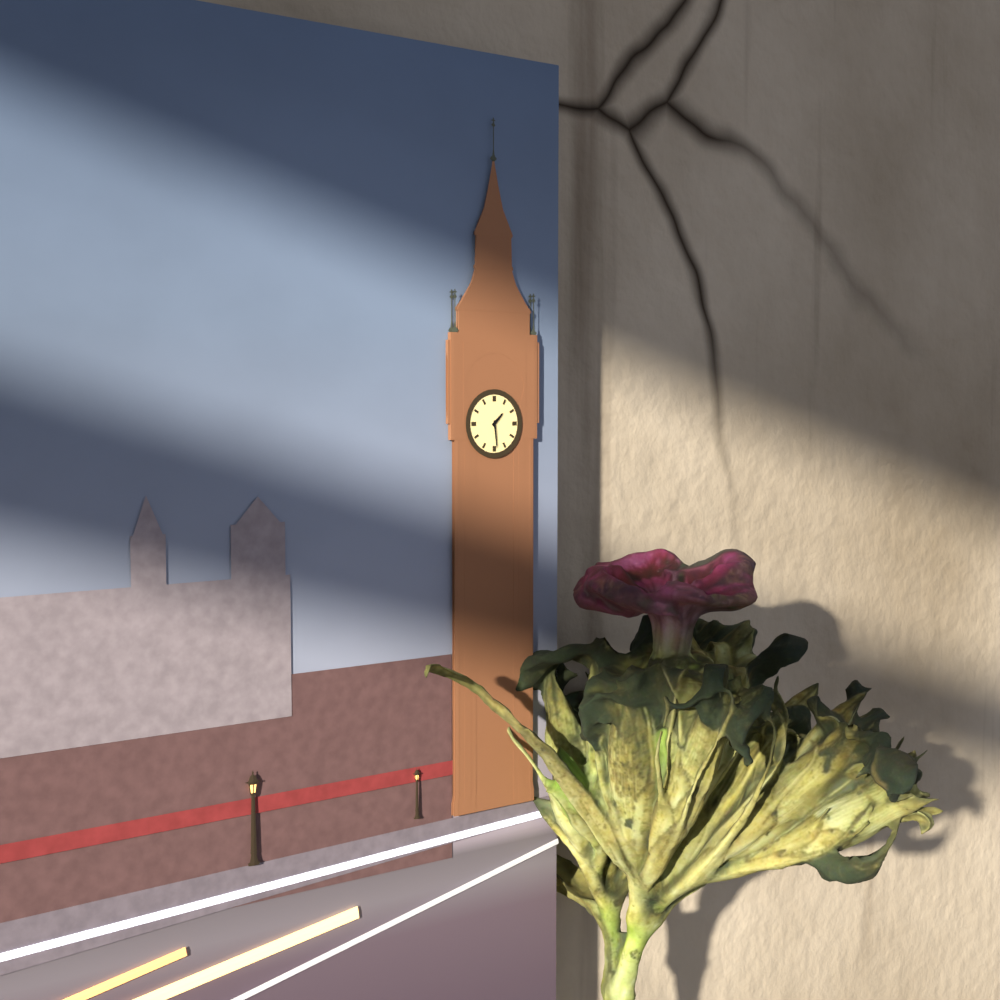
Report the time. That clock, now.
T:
1:29
